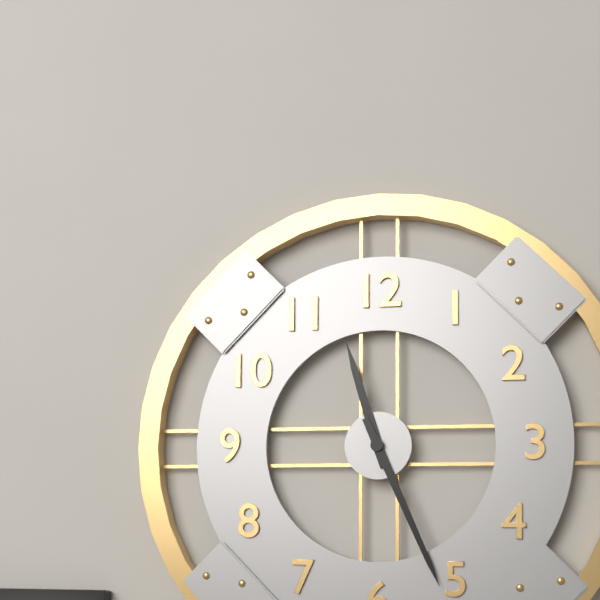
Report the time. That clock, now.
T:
11:26
